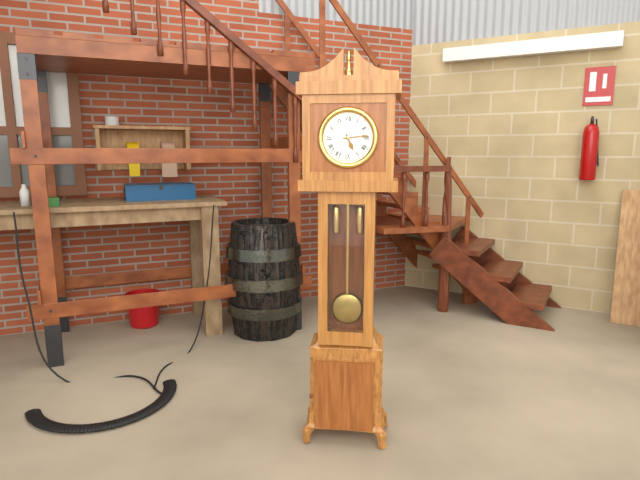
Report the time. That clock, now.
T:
5:14
